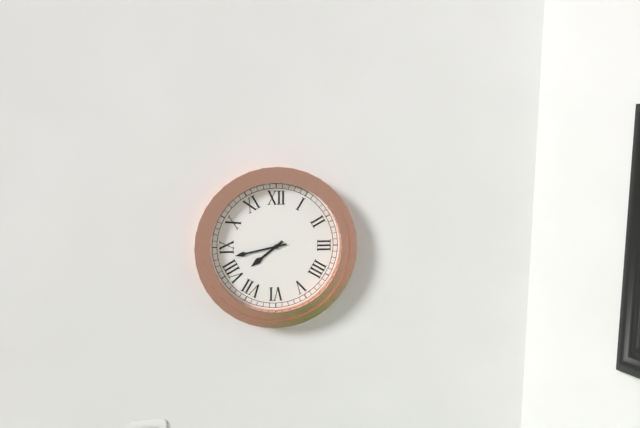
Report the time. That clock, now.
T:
7:43
